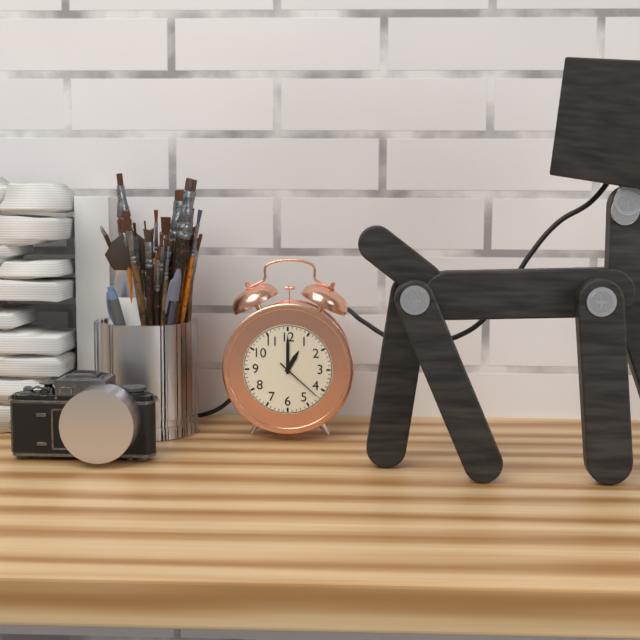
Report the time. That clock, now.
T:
1:00
